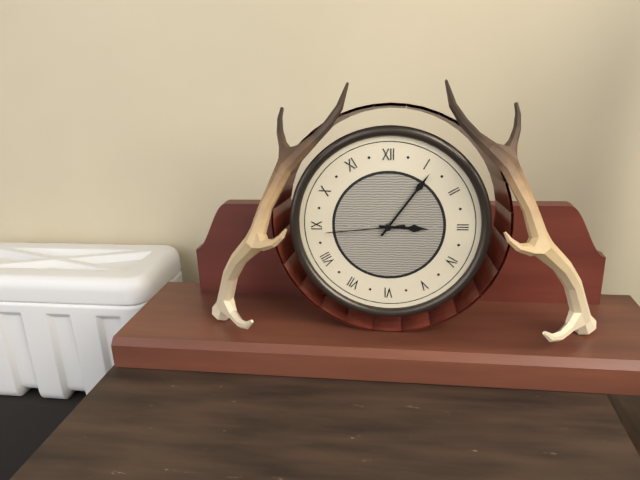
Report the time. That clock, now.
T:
3:06:44
